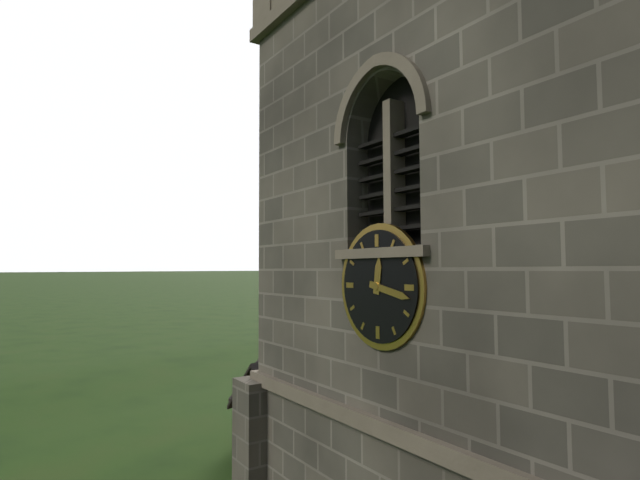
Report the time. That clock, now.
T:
12:17
